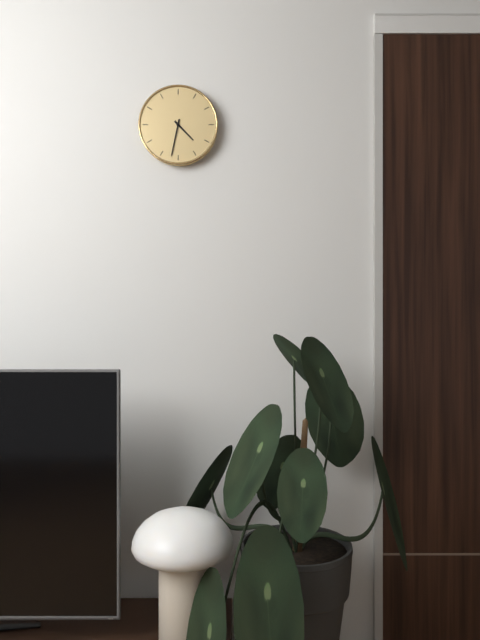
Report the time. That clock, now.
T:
4:32
